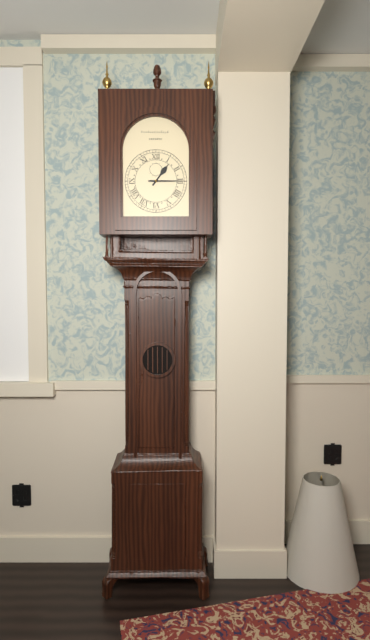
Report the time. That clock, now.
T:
1:15
